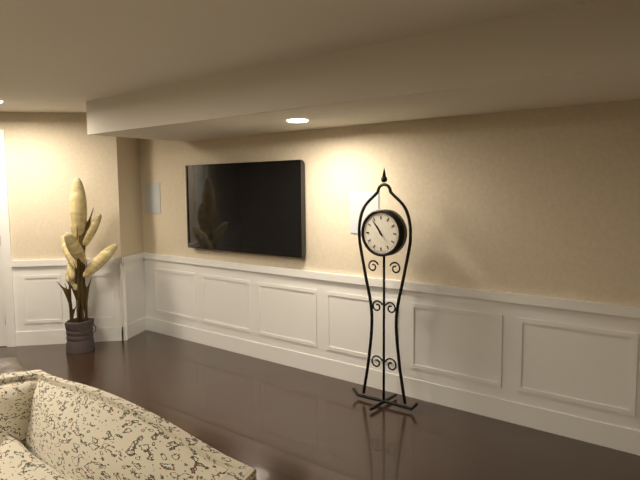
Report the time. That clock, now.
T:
10:54
